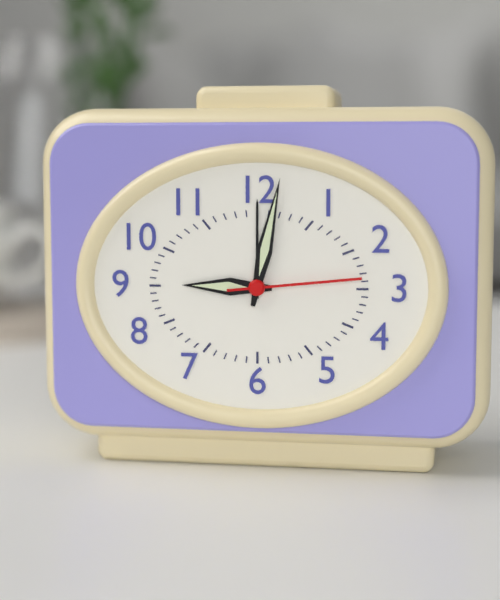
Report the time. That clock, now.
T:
9:02:14
